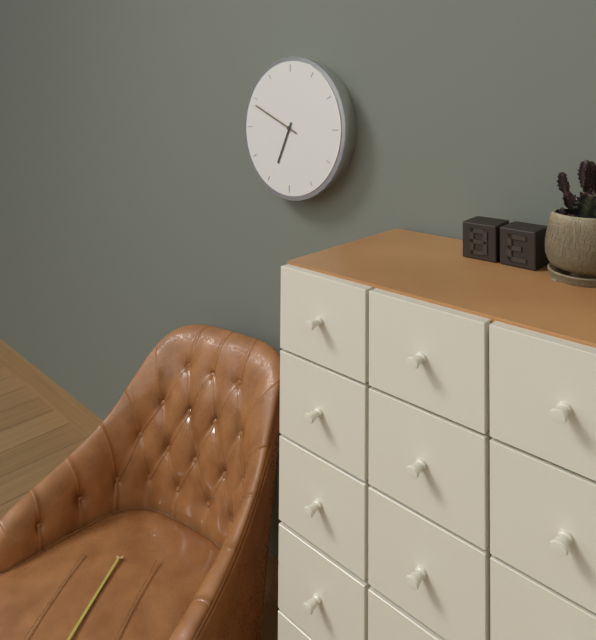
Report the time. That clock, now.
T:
6:49
